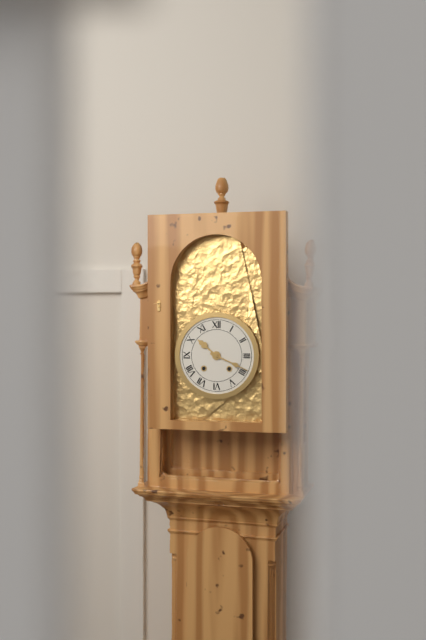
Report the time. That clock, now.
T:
10:19
